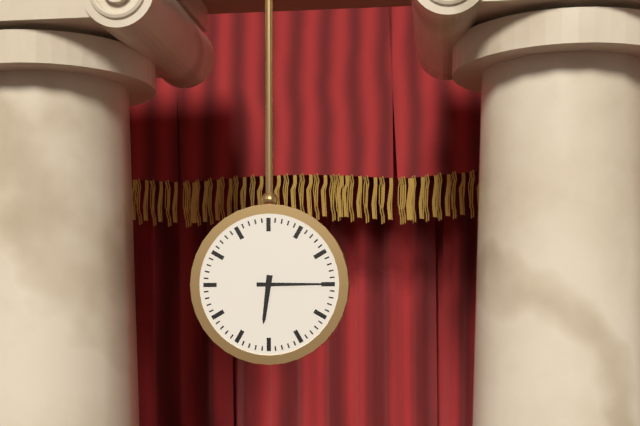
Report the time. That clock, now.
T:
6:15
